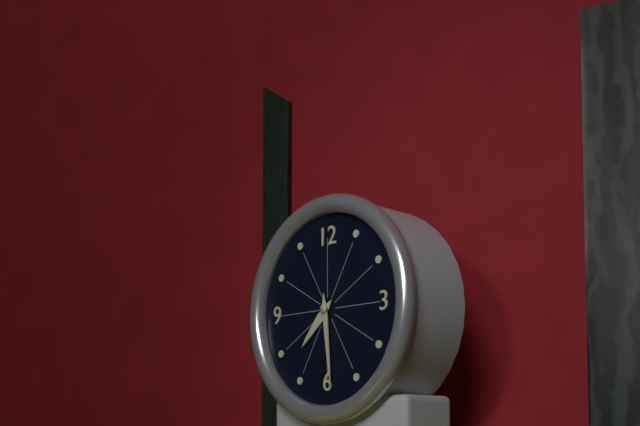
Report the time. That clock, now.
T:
7:29
